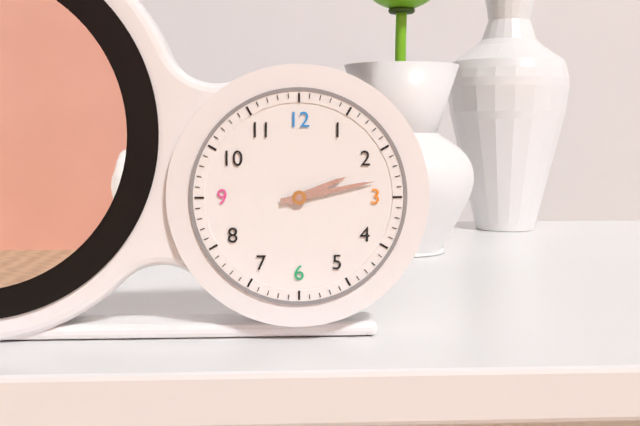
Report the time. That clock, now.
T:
2:13
